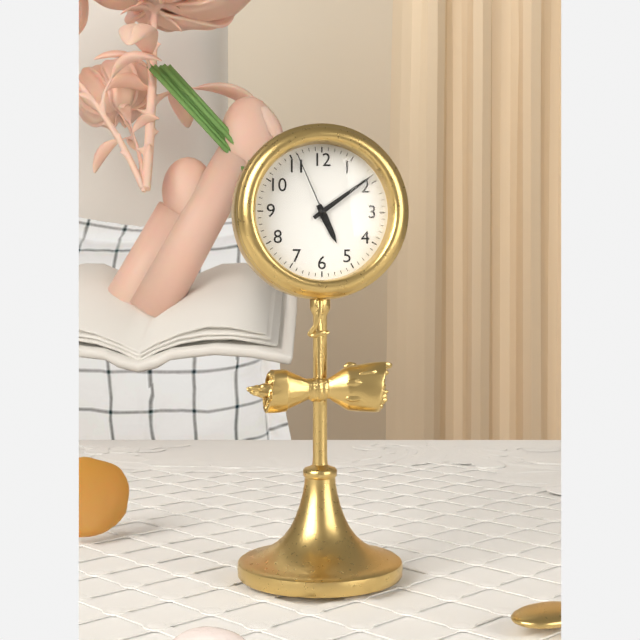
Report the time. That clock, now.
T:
5:09:56
